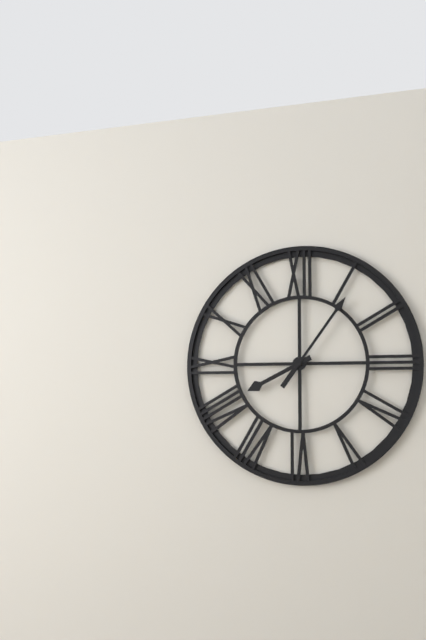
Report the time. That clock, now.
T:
8:06
